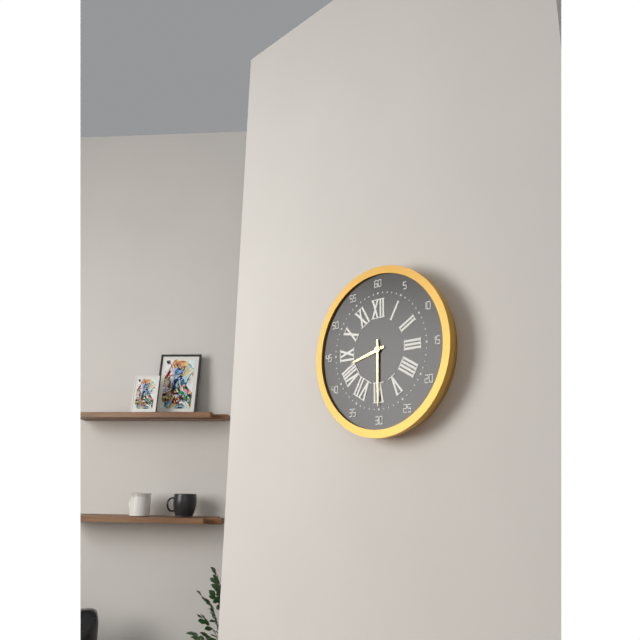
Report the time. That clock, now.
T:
8:30
